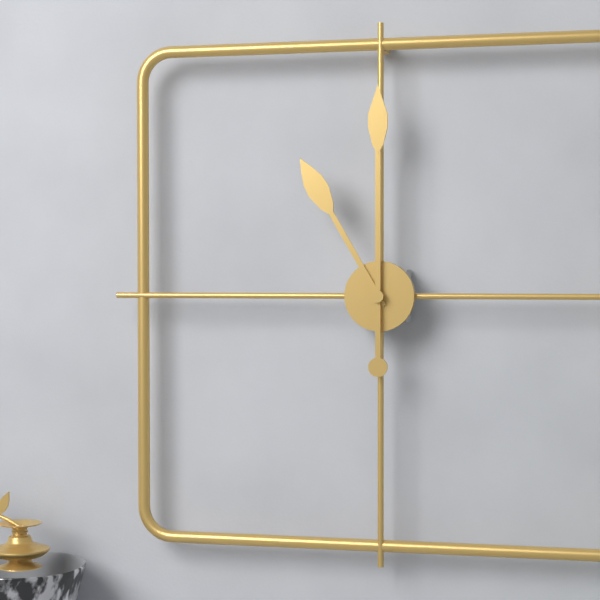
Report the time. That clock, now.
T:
11:00
